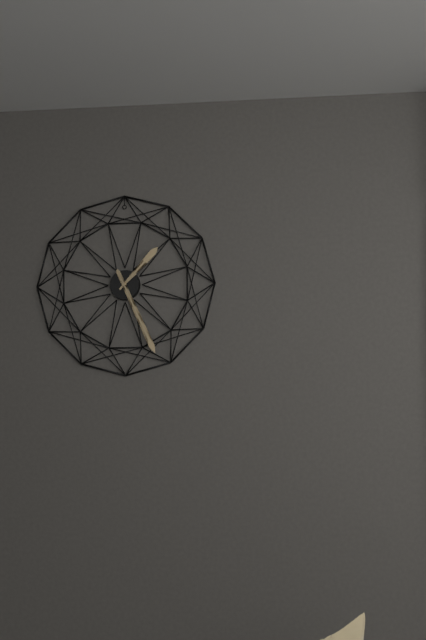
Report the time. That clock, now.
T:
1:26
